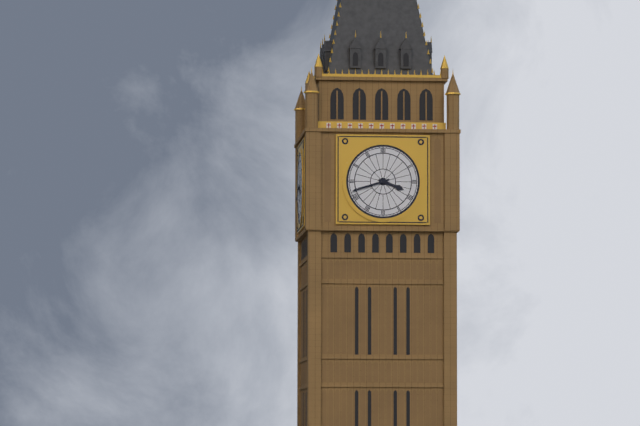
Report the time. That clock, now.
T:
3:42
